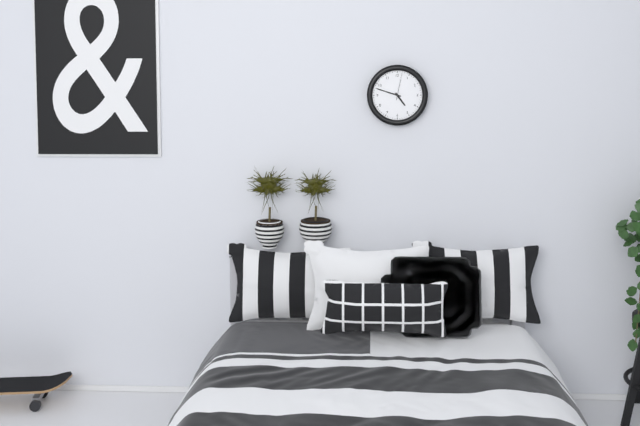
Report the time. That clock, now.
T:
4:48
